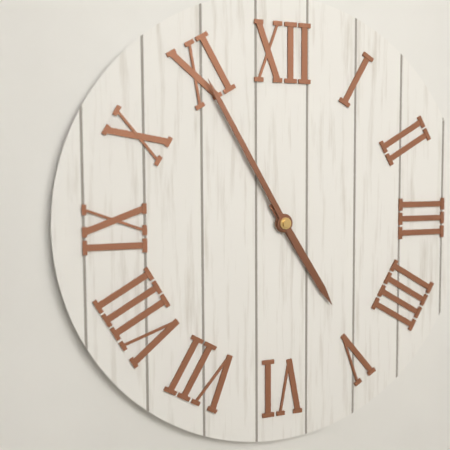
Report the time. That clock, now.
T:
4:55
